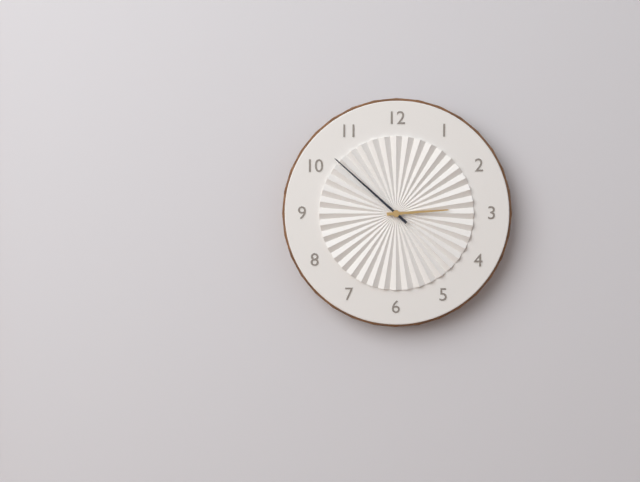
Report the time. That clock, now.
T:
2:52
